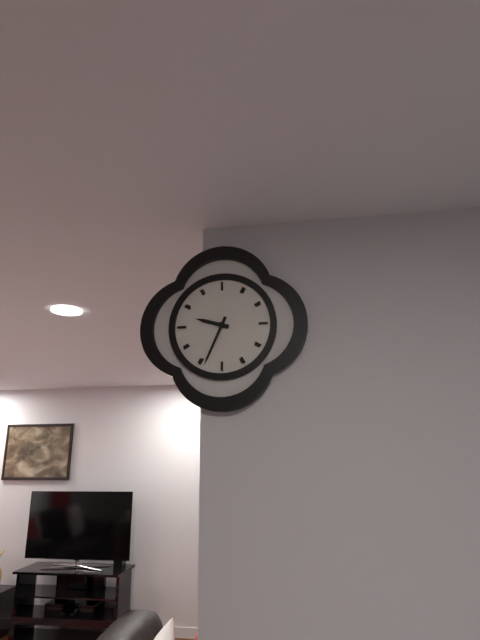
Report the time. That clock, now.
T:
9:34
